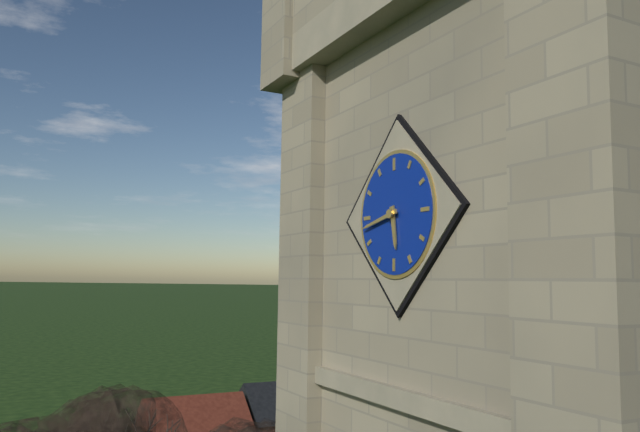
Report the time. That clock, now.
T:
5:43
